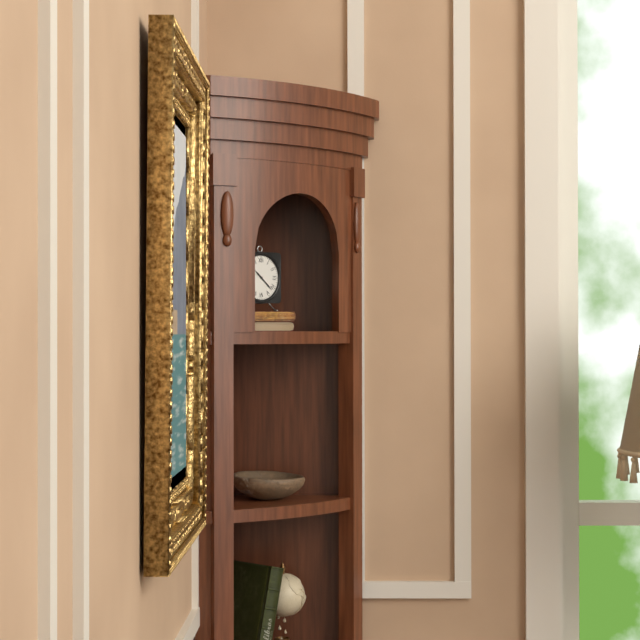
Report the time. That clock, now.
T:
10:22
